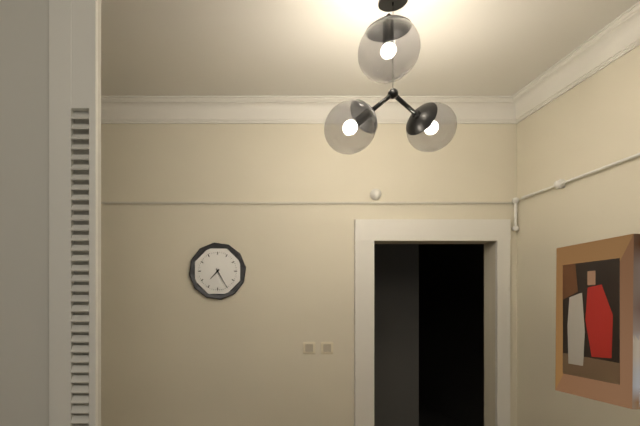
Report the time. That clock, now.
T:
7:25
